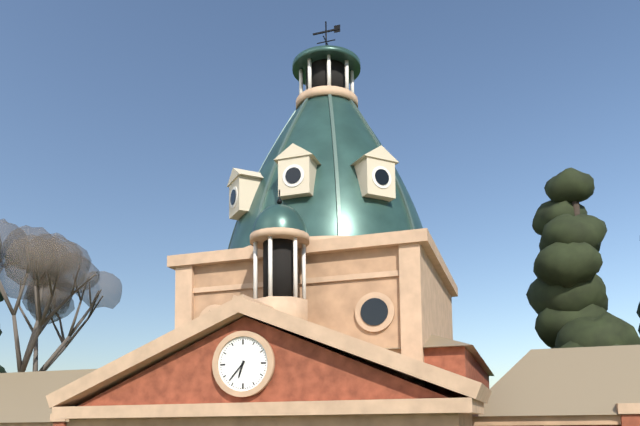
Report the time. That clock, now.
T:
6:37
